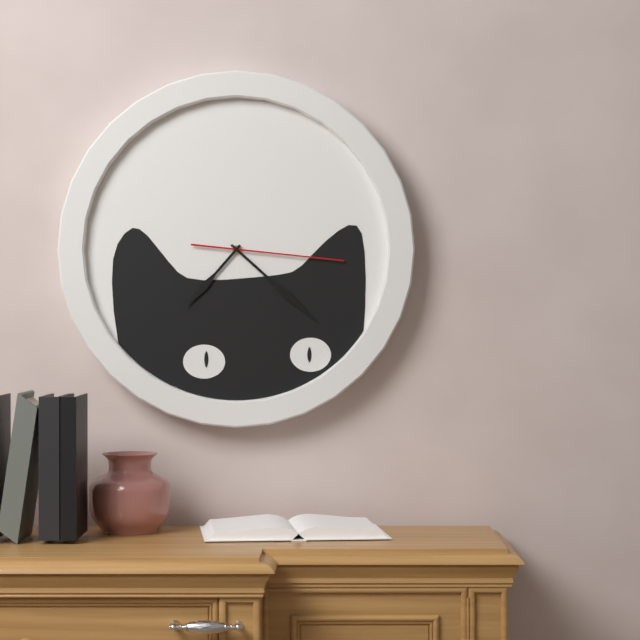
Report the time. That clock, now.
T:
7:22:16
